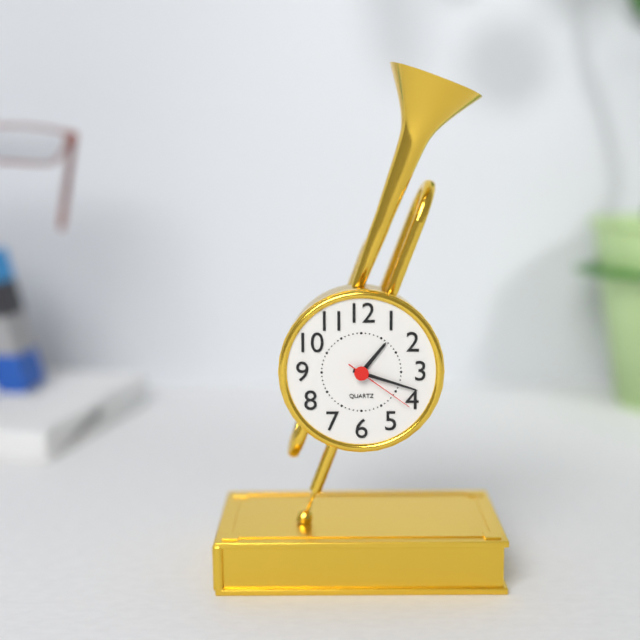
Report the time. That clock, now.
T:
1:18:21
